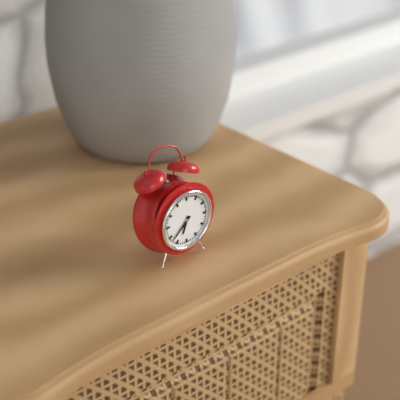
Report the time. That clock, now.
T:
6:38
